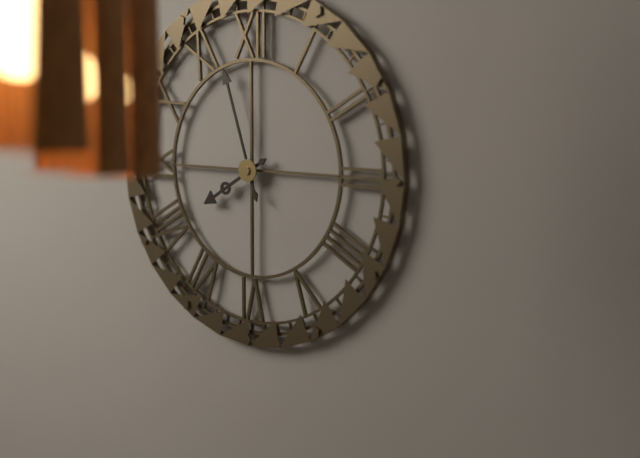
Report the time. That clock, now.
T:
7:57
